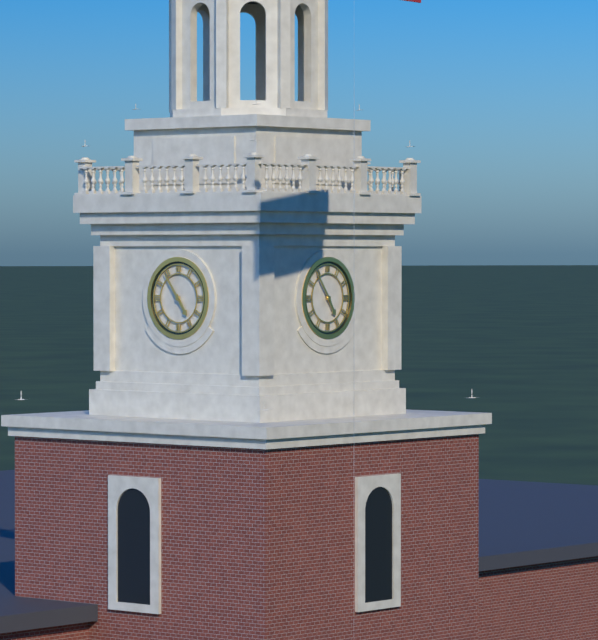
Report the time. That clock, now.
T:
4:54
